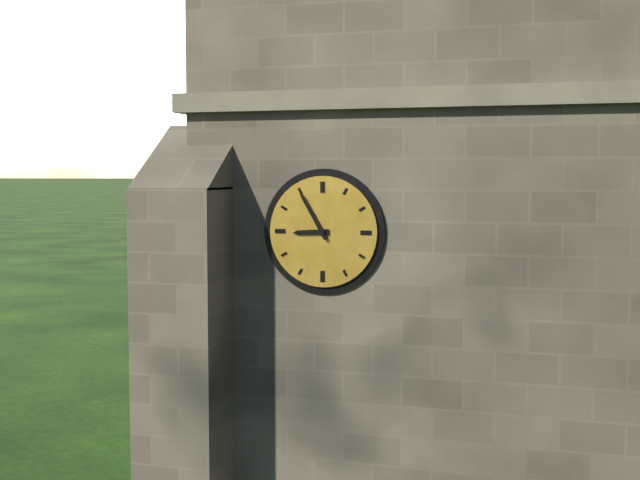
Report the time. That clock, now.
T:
8:55
